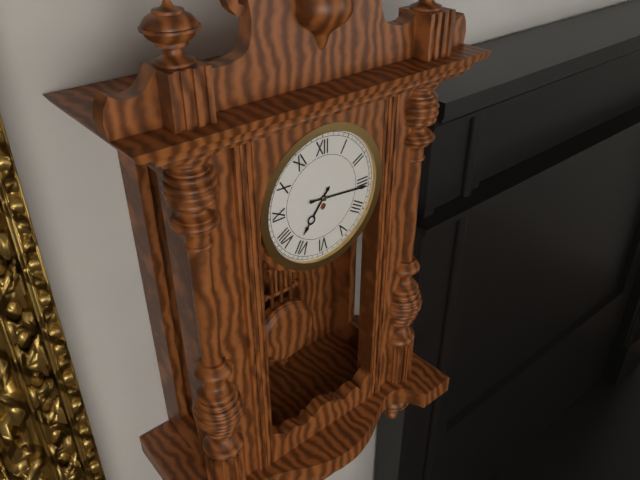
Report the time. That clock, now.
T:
7:16
